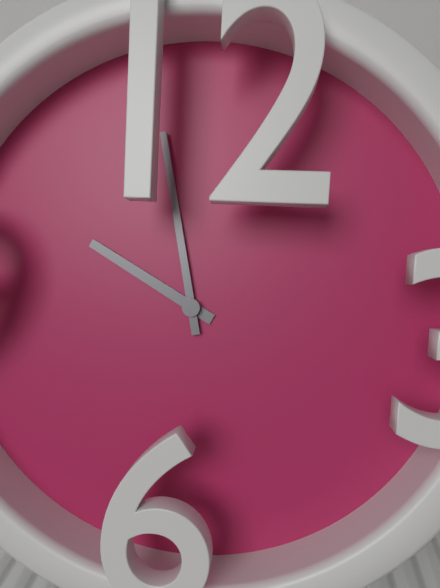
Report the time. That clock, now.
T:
9:58
